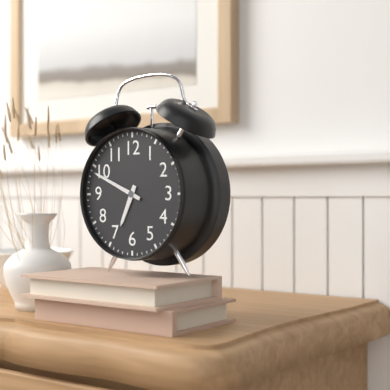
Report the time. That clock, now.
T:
6:49
